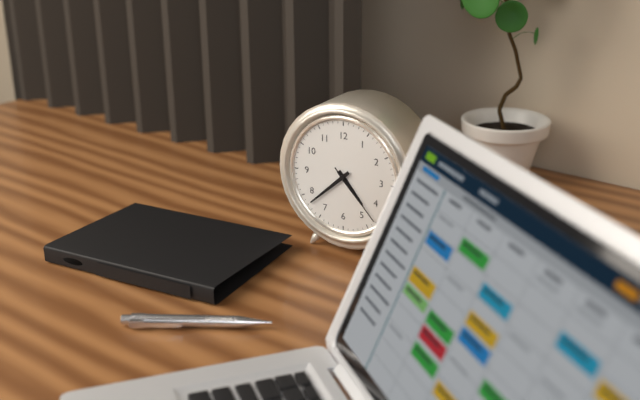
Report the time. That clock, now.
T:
4:38:23
